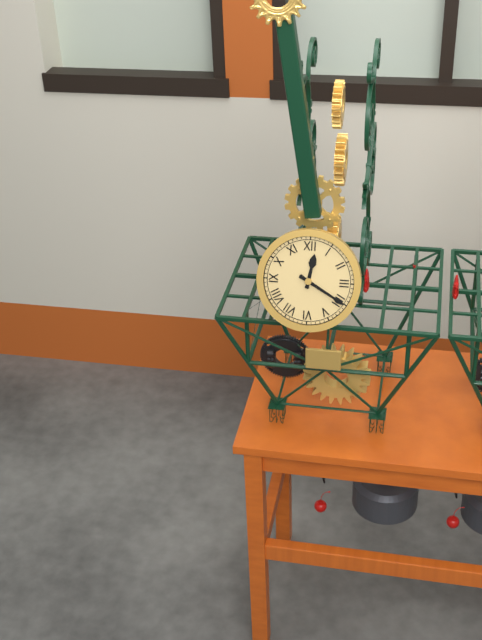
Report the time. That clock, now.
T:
12:20
